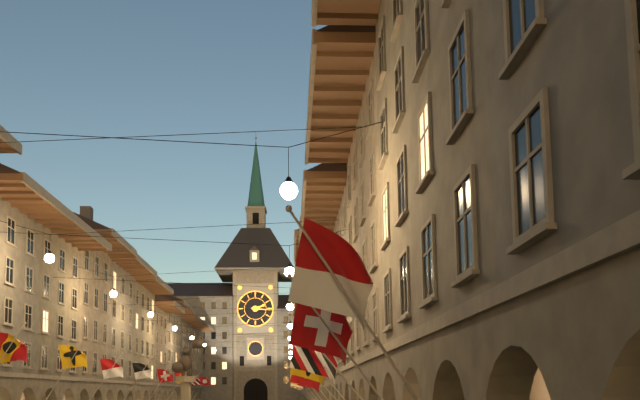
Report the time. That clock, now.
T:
2:16
